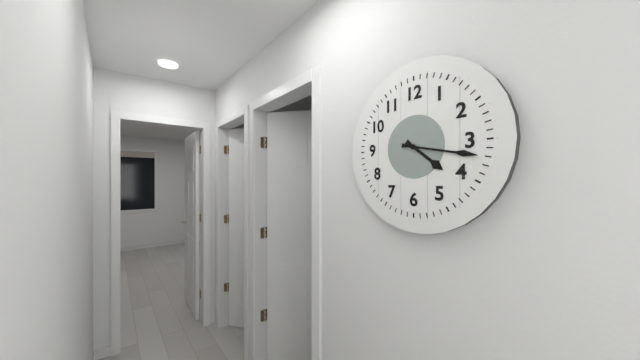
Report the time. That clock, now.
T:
4:17
